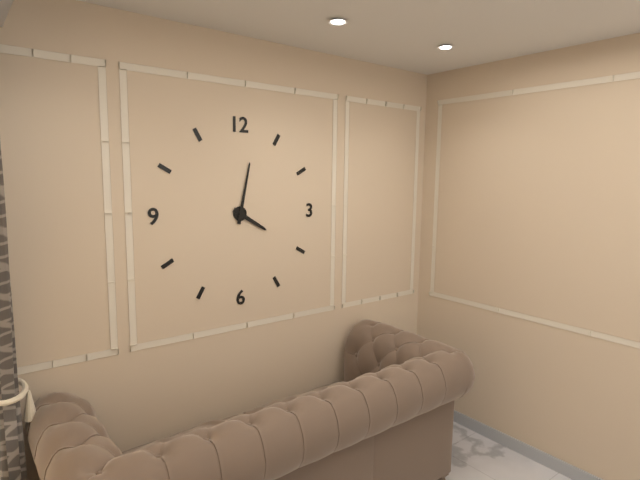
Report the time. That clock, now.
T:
4:02
